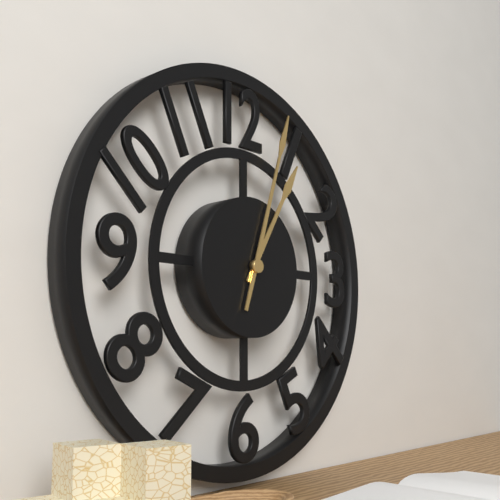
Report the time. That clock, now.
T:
1:03
